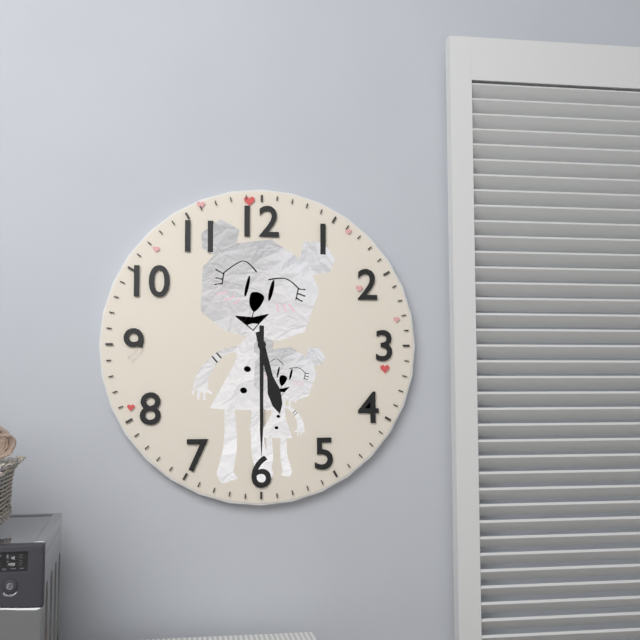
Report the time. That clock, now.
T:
5:30
